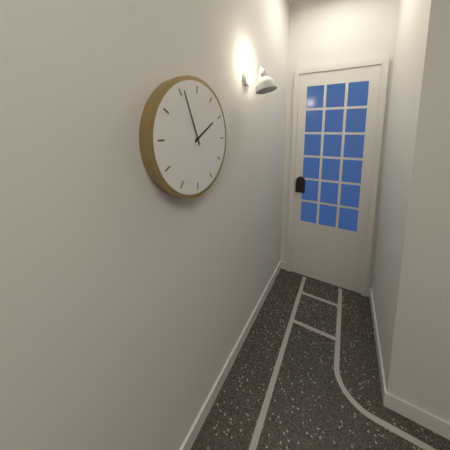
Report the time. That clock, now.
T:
1:56
